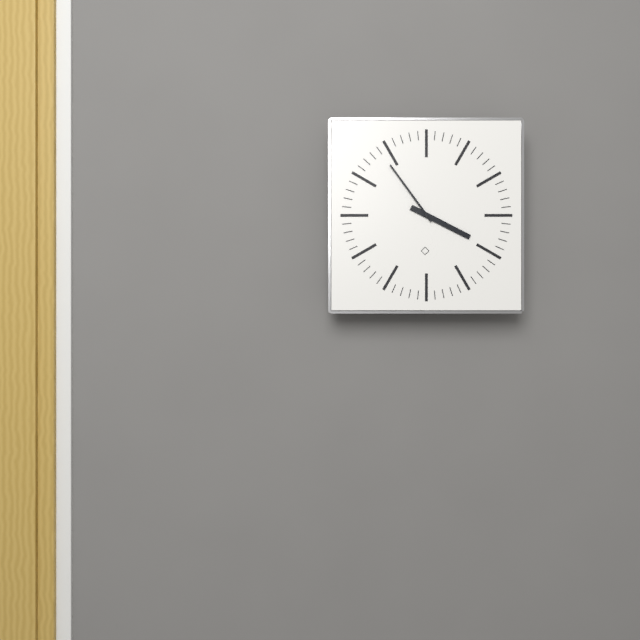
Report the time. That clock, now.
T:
3:54
